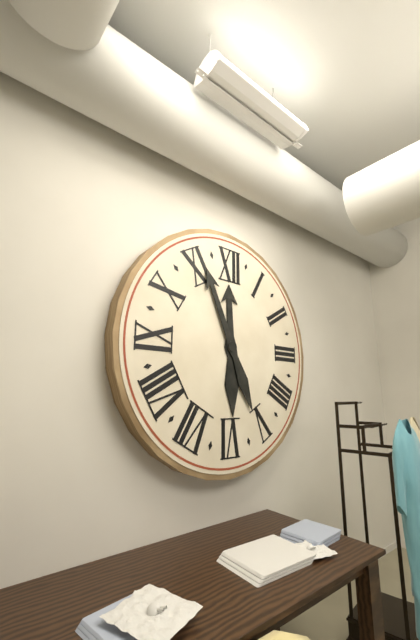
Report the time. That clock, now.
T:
11:56
